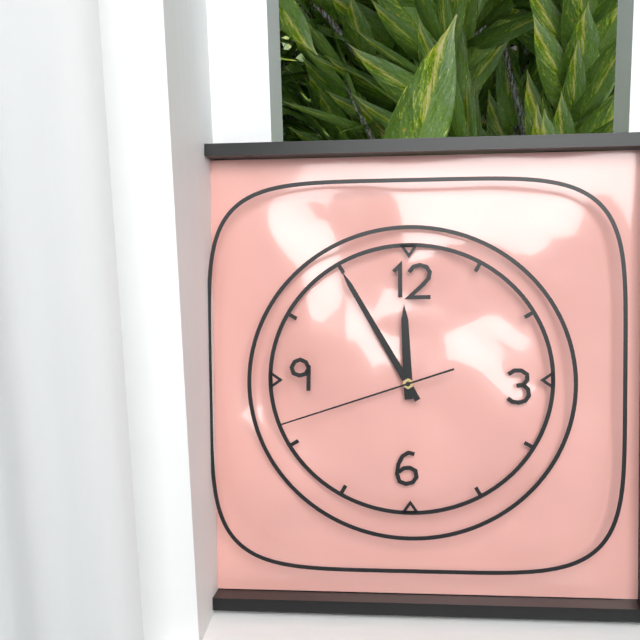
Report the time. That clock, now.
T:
11:55:42
